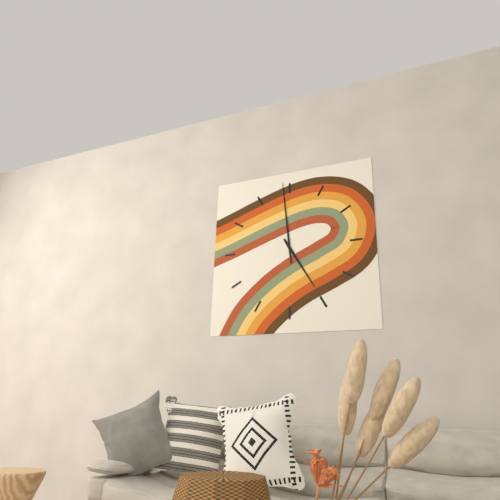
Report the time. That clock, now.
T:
4:59
